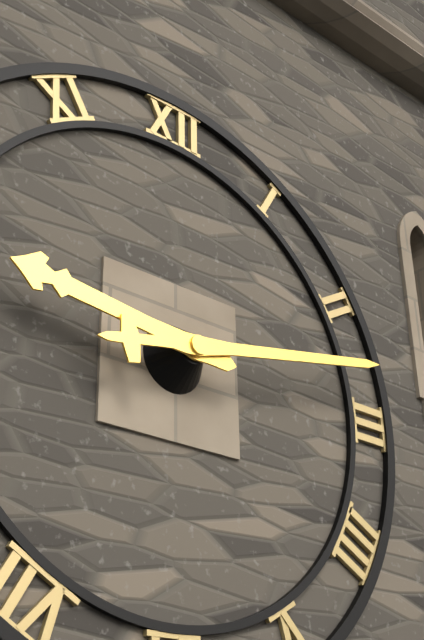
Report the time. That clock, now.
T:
9:13
